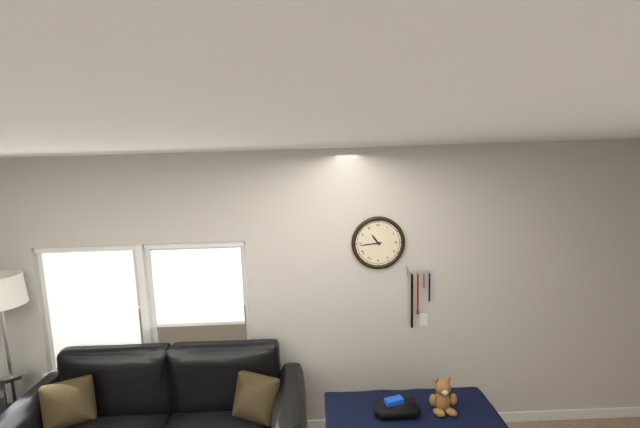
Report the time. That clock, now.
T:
10:44
